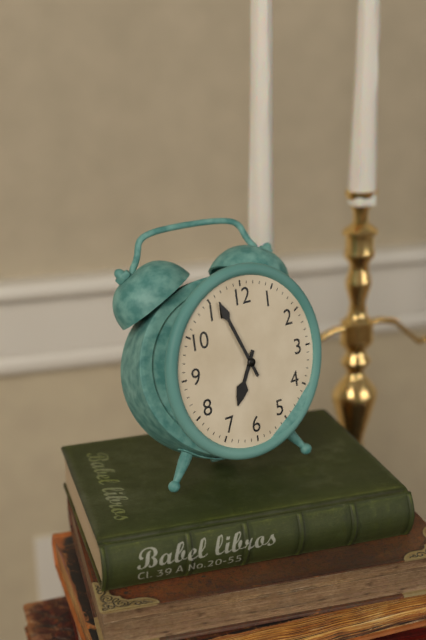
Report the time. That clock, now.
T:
6:56
